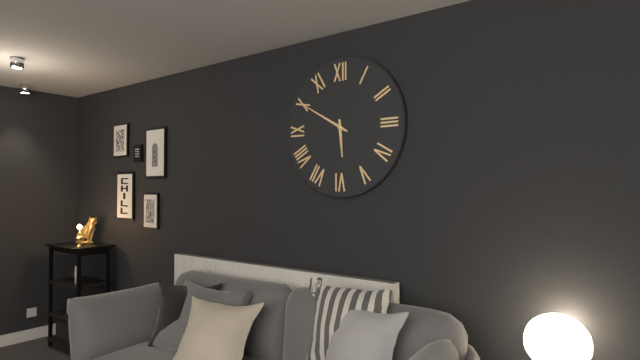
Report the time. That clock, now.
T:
5:50
